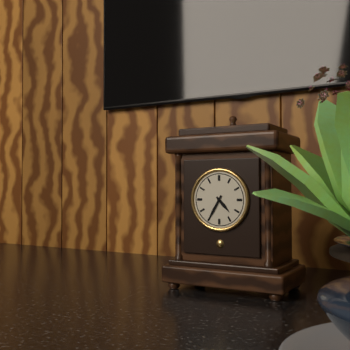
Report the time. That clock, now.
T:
4:35
